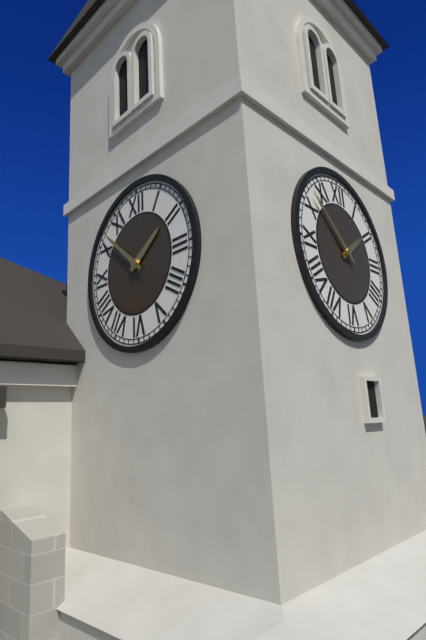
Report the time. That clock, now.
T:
1:52
